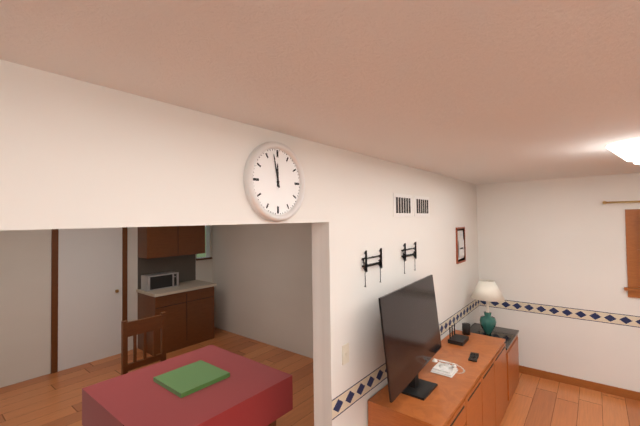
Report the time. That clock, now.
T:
11:58
